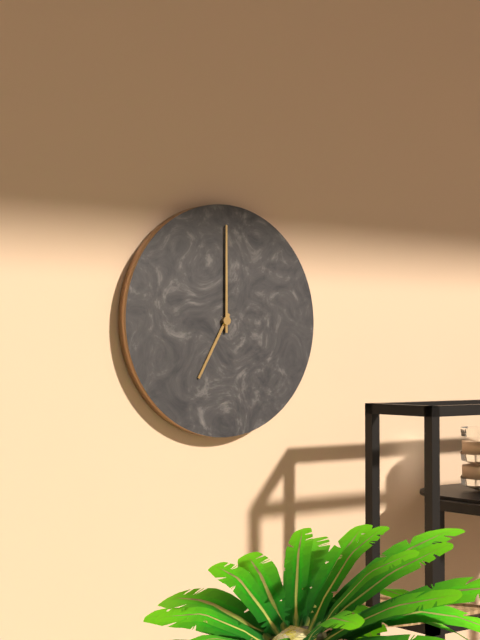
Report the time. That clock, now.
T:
7:00
